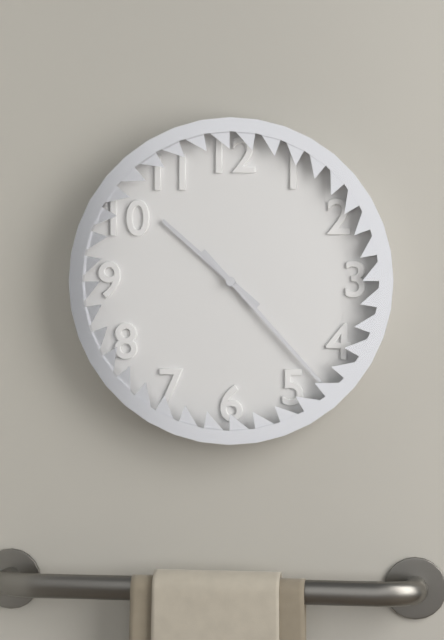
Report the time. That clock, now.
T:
10:23
